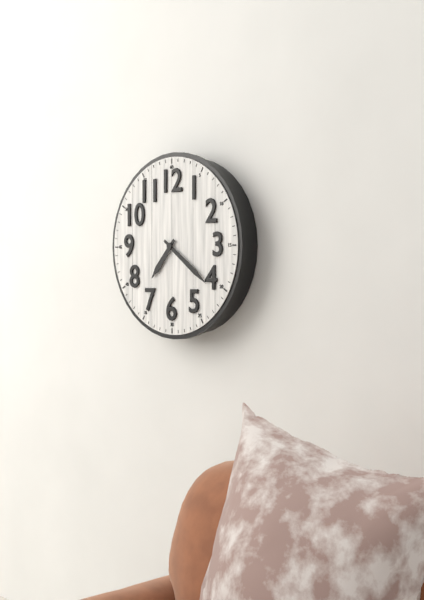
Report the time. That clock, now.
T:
7:21
